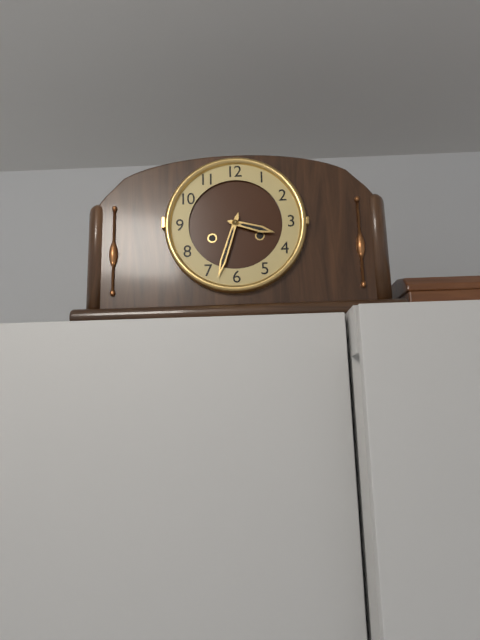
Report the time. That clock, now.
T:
3:33
